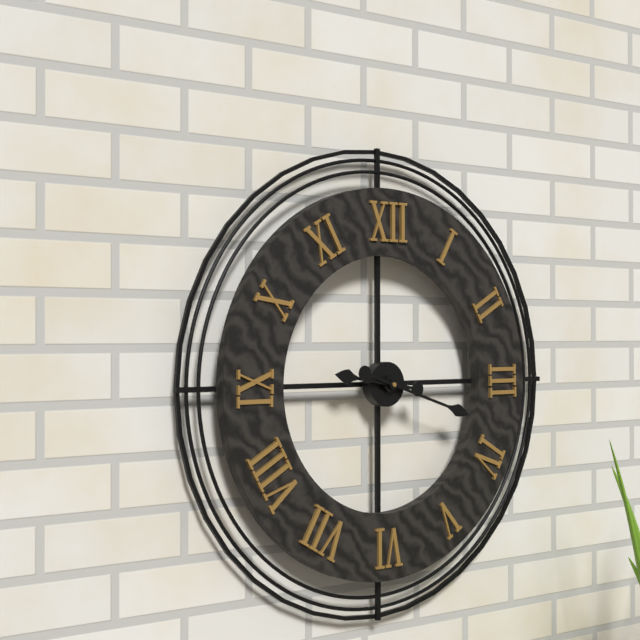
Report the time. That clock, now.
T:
9:18
